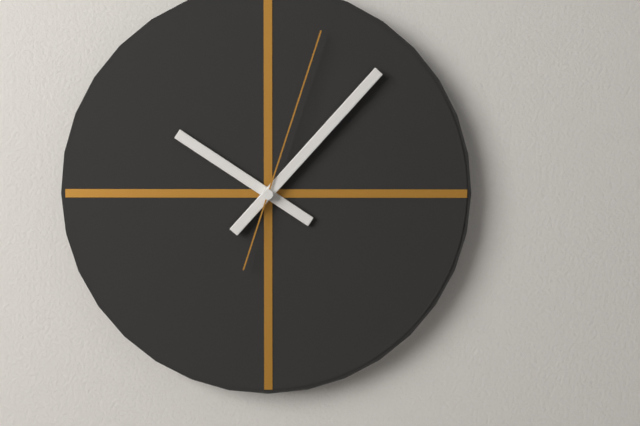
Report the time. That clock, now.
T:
10:07:03
